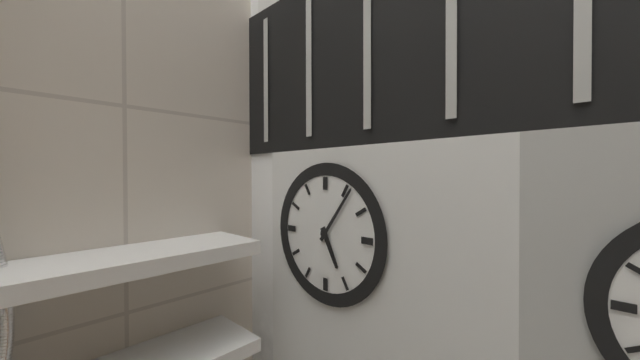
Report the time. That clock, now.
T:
5:06
